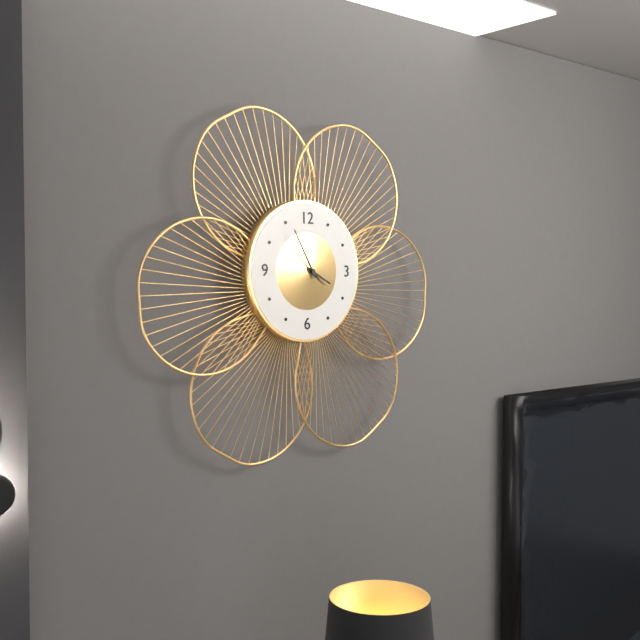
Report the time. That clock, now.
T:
3:55
